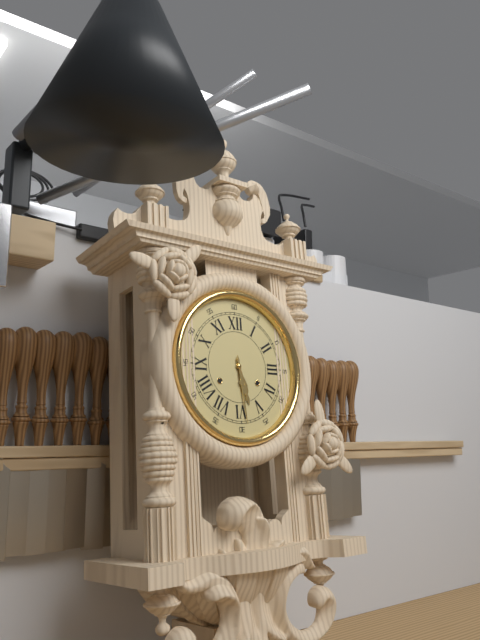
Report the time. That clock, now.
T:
5:29
